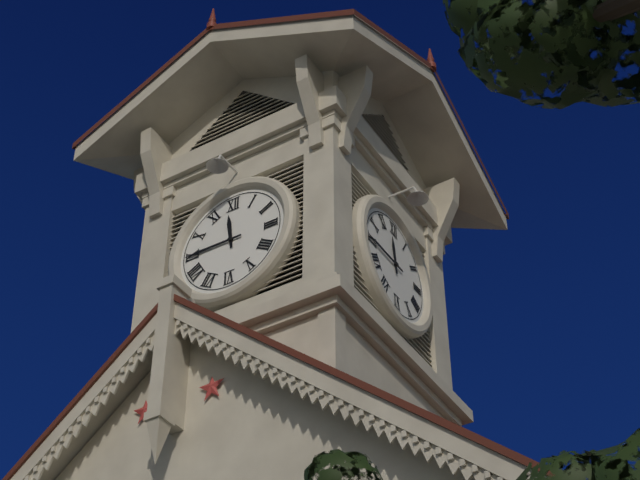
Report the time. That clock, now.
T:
11:45
